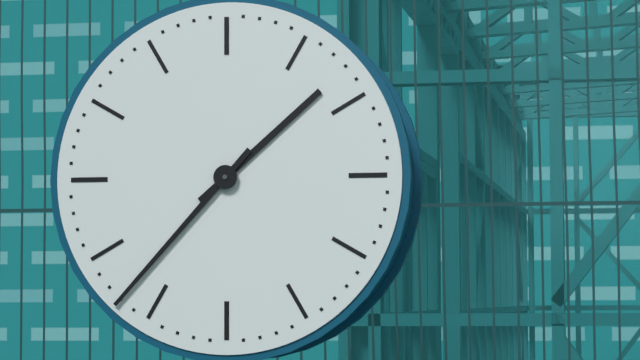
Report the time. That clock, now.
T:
1:37
